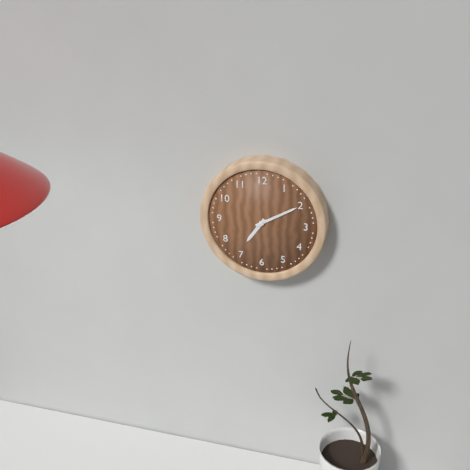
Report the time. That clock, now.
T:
7:10
